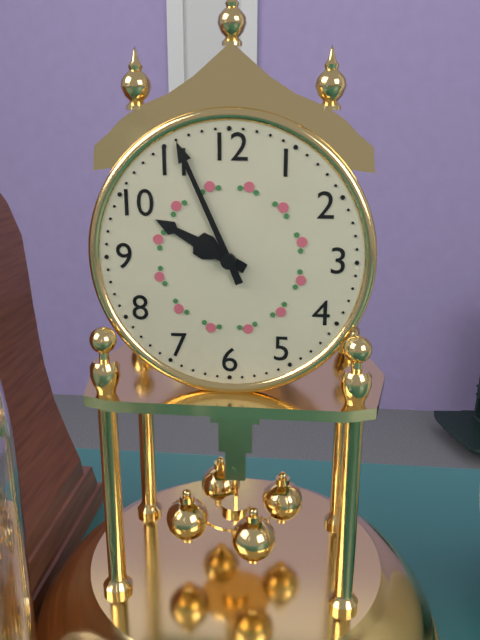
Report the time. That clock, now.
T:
9:56
